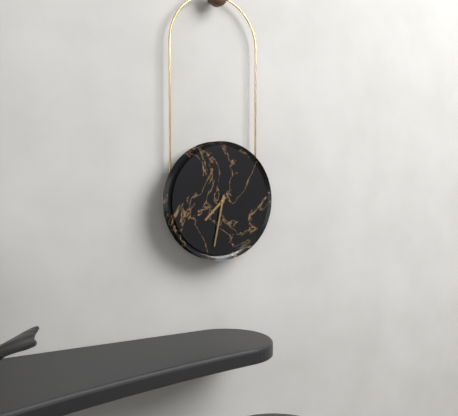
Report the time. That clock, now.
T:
7:32
